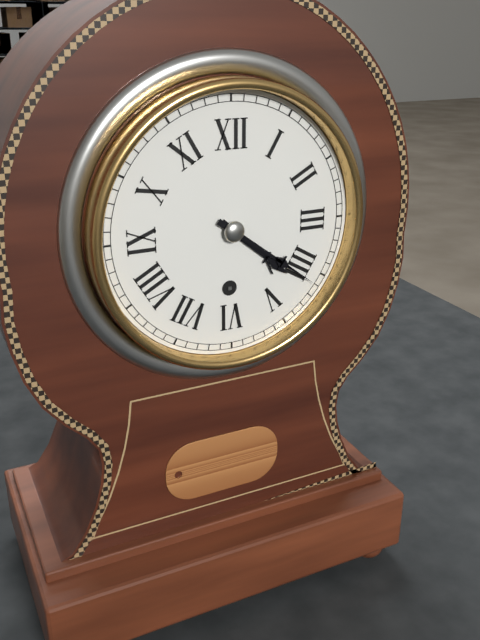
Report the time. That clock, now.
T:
4:21
